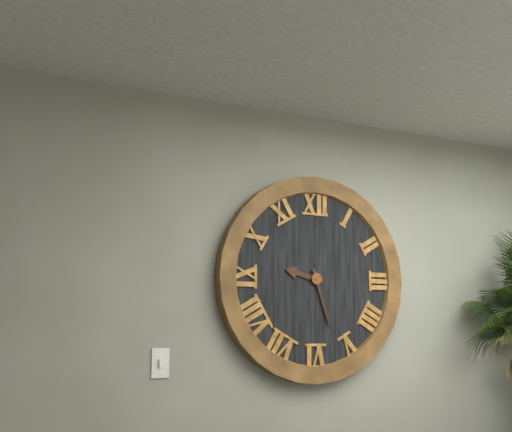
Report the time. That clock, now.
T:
9:27
